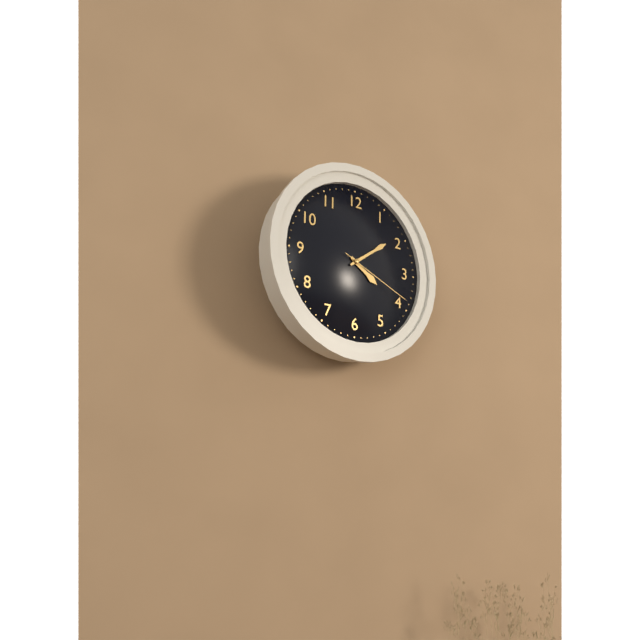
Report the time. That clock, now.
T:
4:09:19
